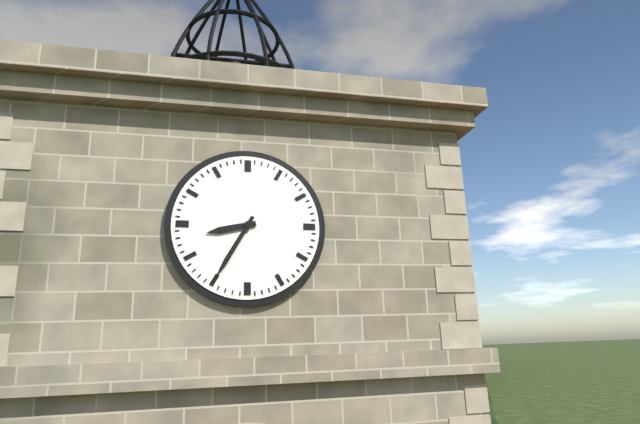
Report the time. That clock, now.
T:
8:35
